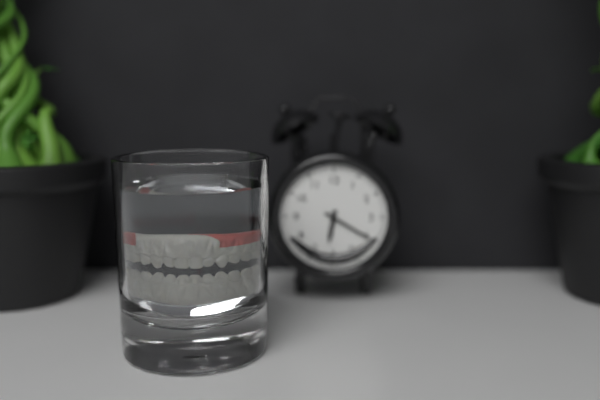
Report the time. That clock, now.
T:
6:20
